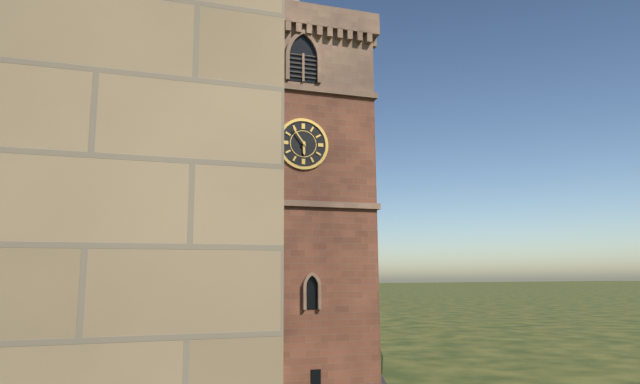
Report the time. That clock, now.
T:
5:54
